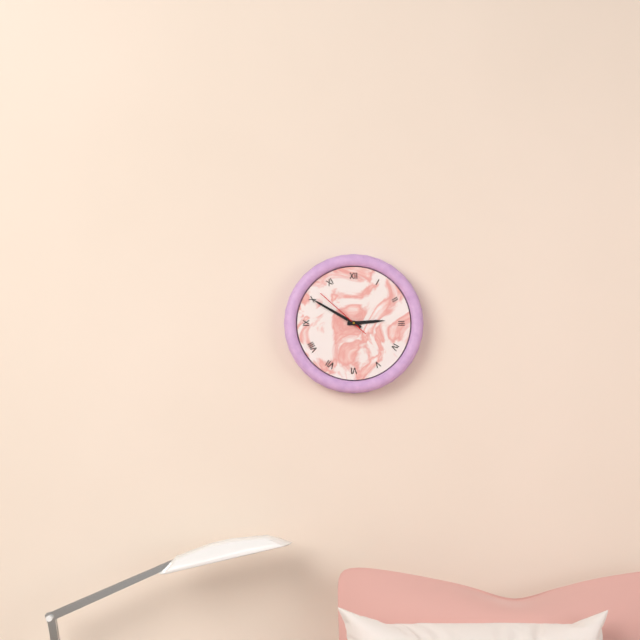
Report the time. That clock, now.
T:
2:50:52
